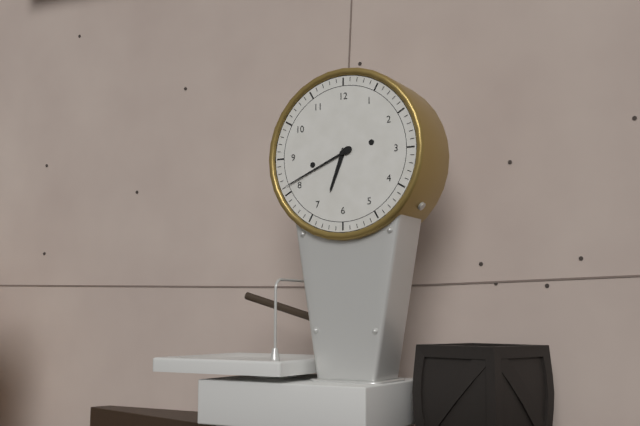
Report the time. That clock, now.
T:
6:41
